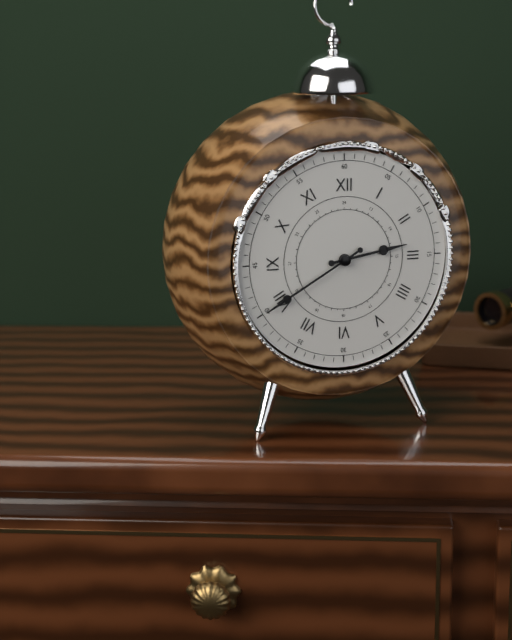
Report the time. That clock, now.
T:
2:40
